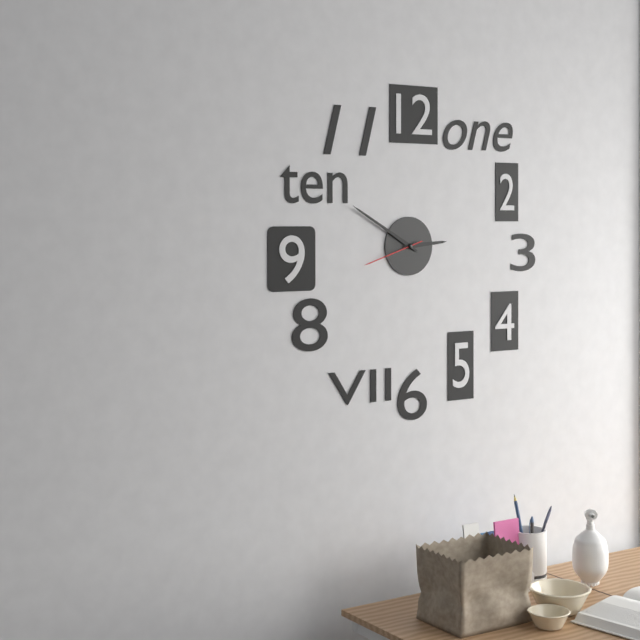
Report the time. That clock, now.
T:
2:50:42
